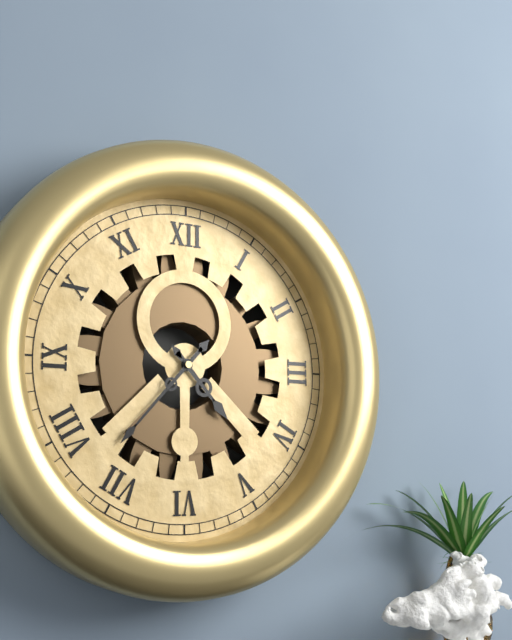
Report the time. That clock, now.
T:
4:37
